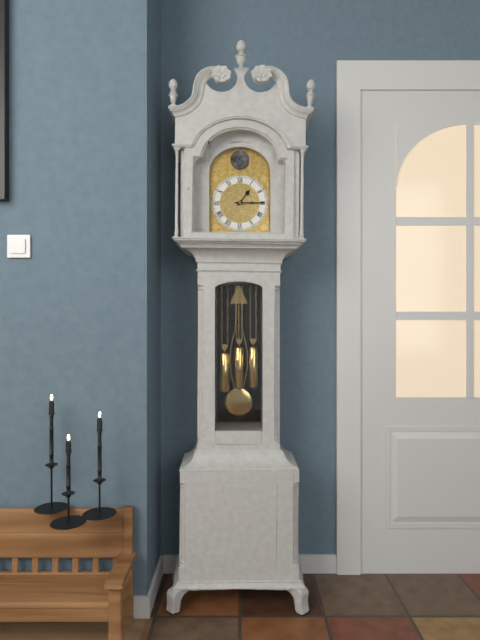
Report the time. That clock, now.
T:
1:15
